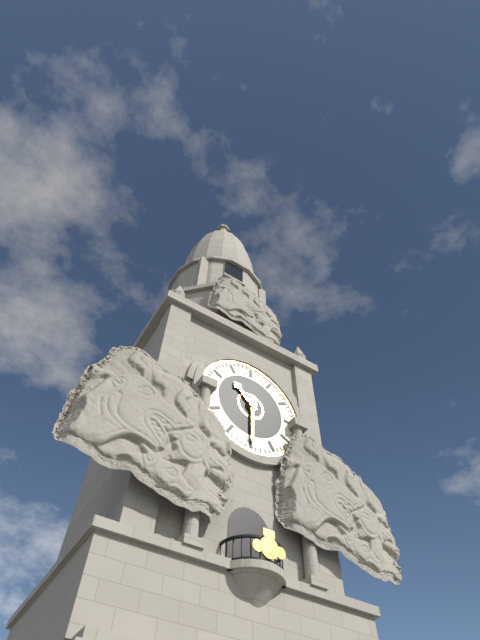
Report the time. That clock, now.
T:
10:30
